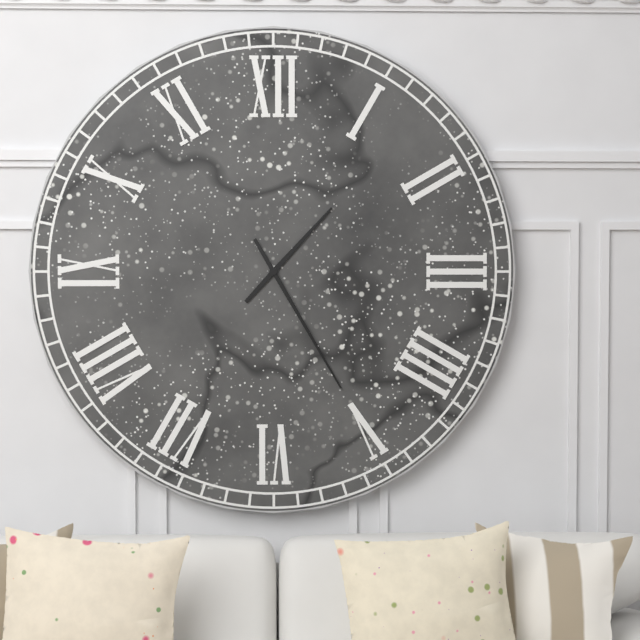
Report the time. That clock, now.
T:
1:25
